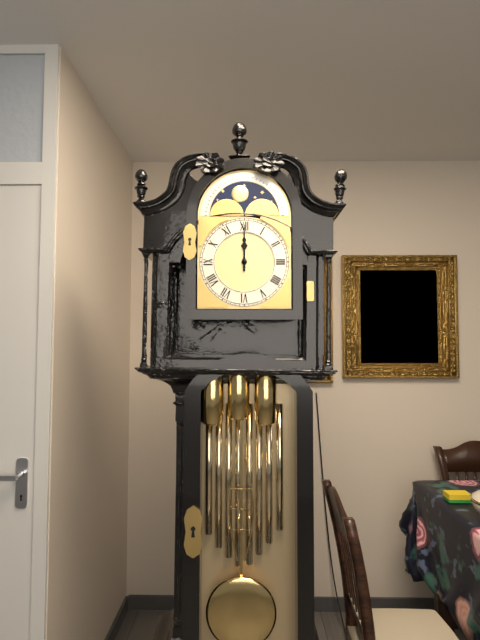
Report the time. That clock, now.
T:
12:00
